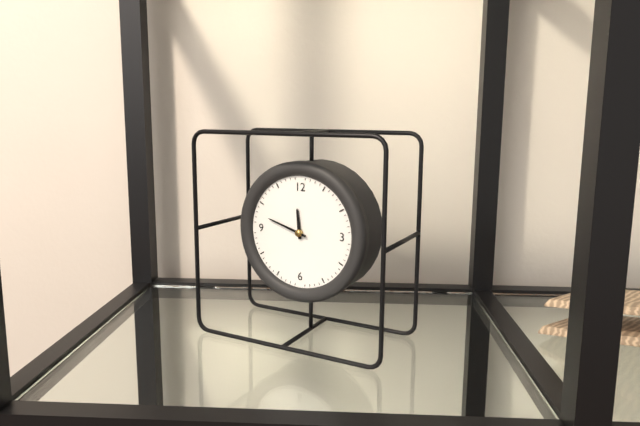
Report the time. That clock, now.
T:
11:48
